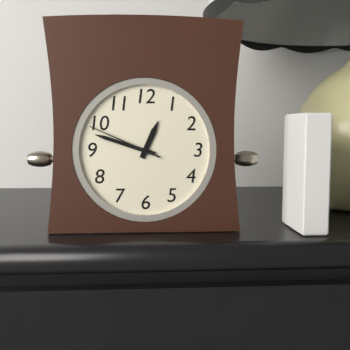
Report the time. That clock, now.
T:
12:48:49
